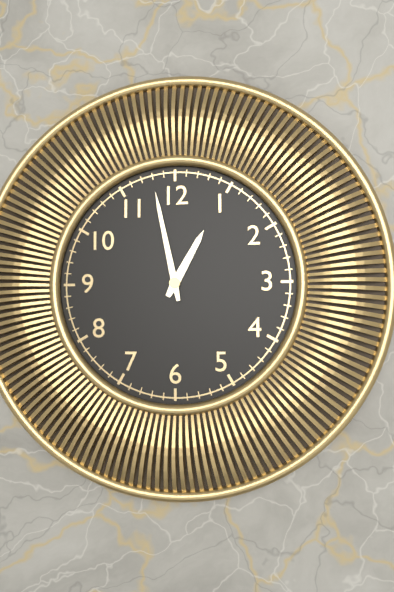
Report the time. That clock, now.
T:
12:58
